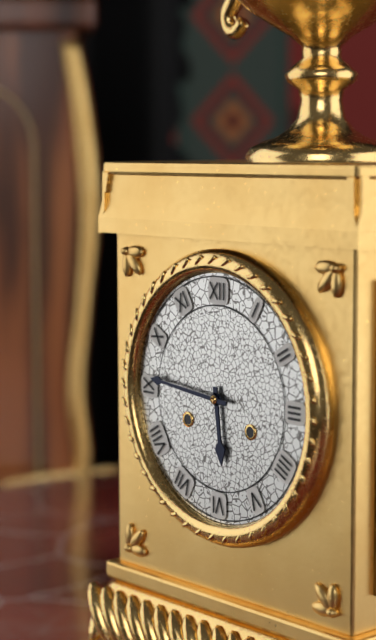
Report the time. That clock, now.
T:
5:46
